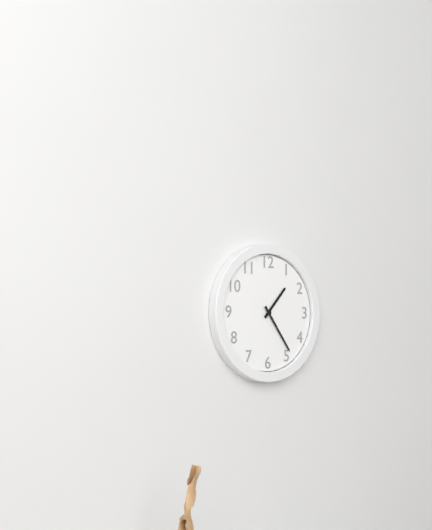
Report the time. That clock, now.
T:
1:24
